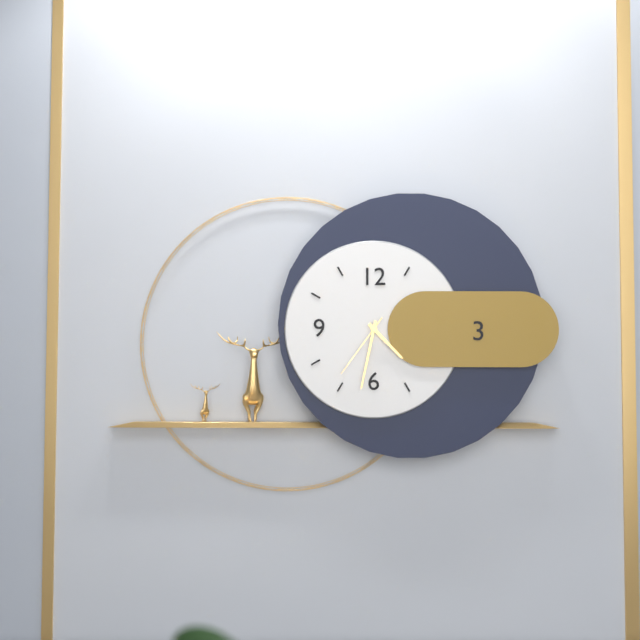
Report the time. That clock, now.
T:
4:32:36
